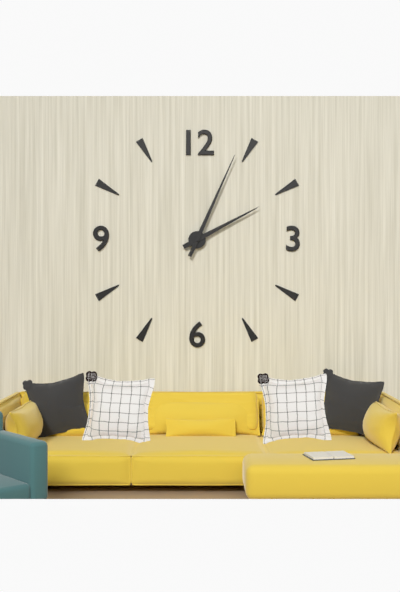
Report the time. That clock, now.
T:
2:04
